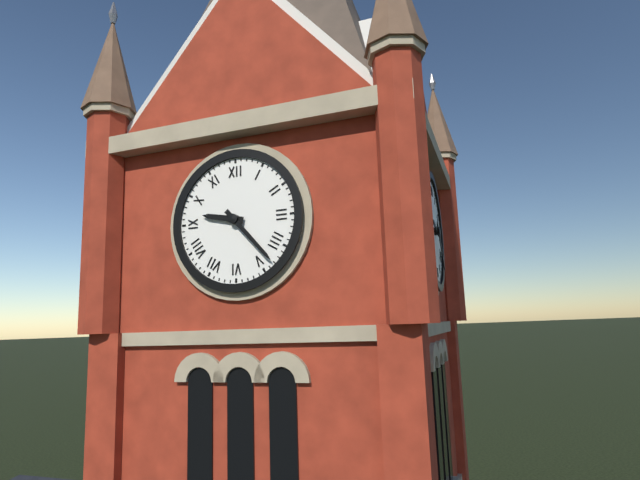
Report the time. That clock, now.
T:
9:23
